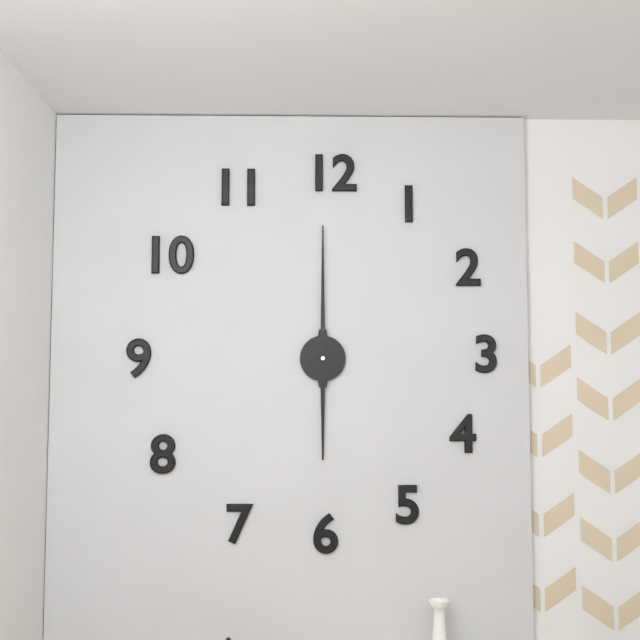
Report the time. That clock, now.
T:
6:00
